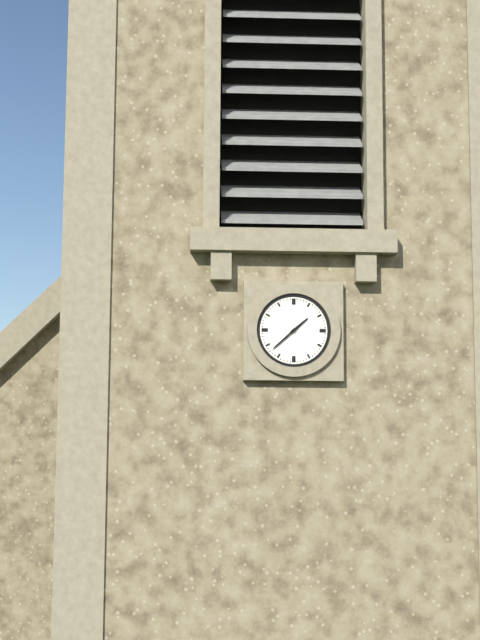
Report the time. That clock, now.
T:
1:38
